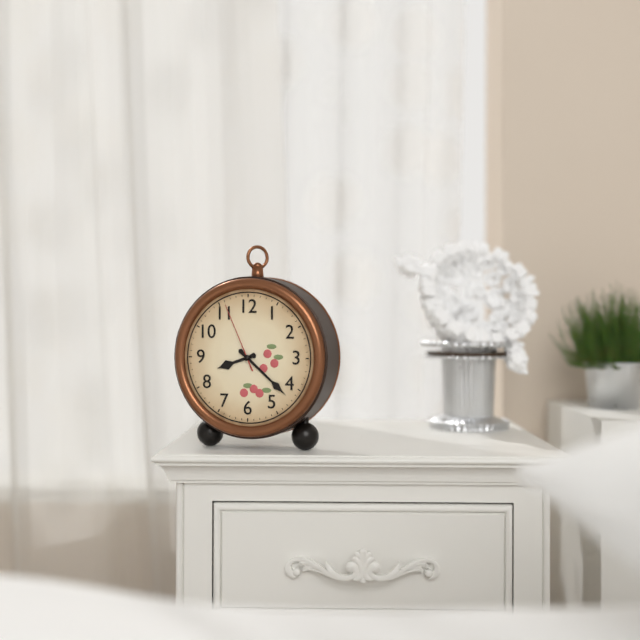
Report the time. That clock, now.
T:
8:22:56
